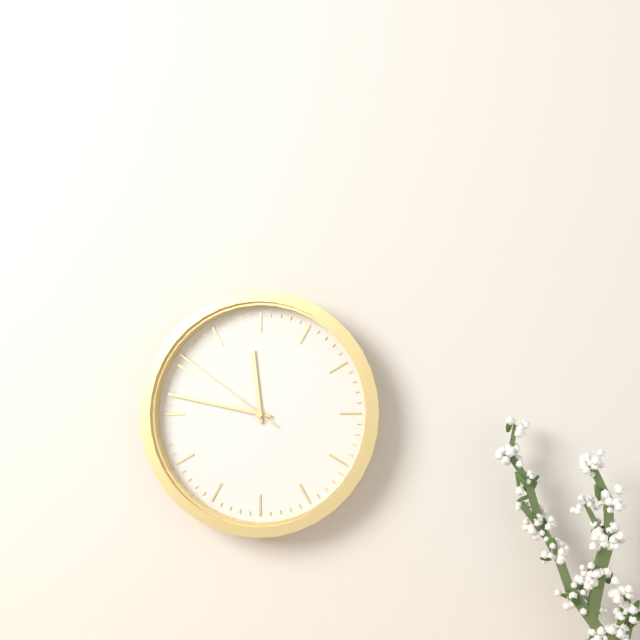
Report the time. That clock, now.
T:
11:47:51
